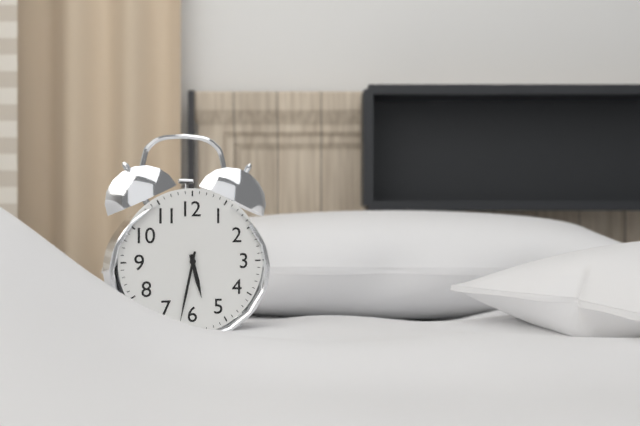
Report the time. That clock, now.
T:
5:32
